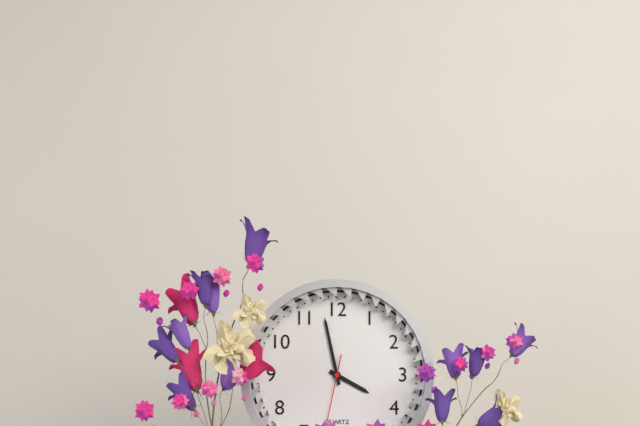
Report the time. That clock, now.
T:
3:58
